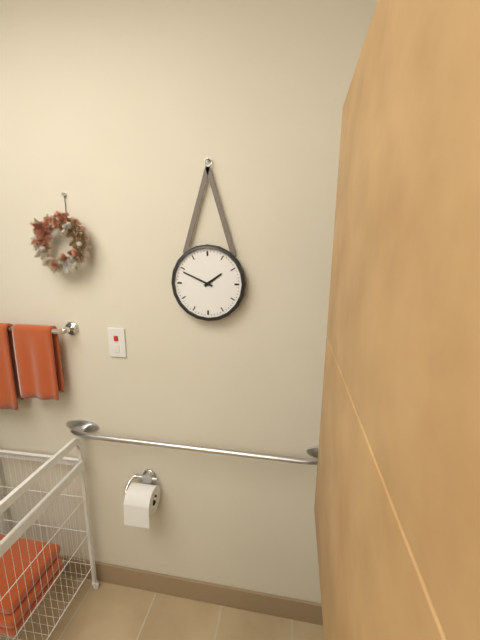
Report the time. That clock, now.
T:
1:49
